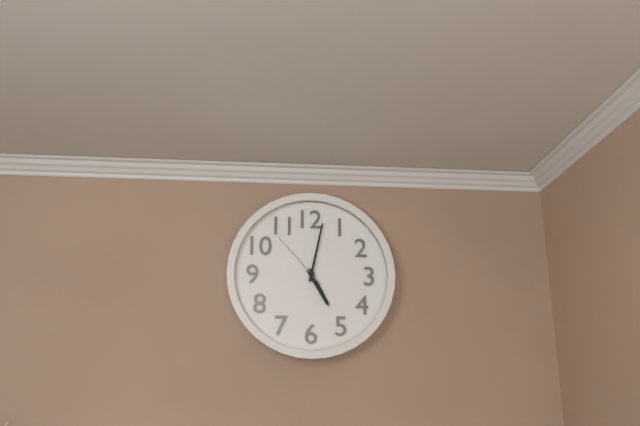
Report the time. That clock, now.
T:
5:02:53
